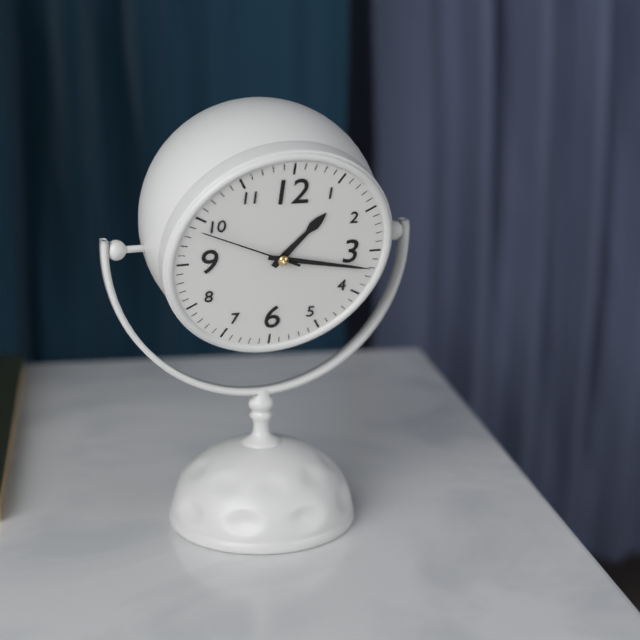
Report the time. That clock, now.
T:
1:17:49
